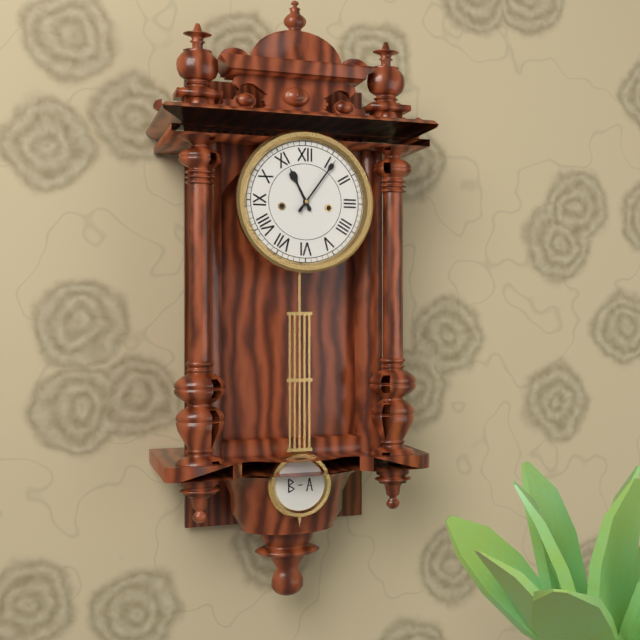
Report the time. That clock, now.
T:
11:06
